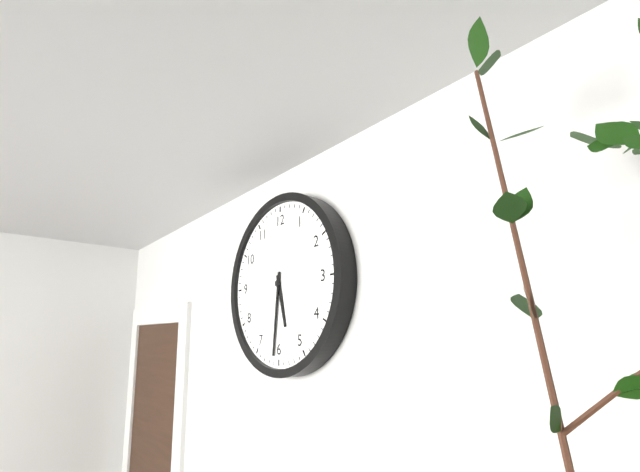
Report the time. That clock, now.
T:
5:31
